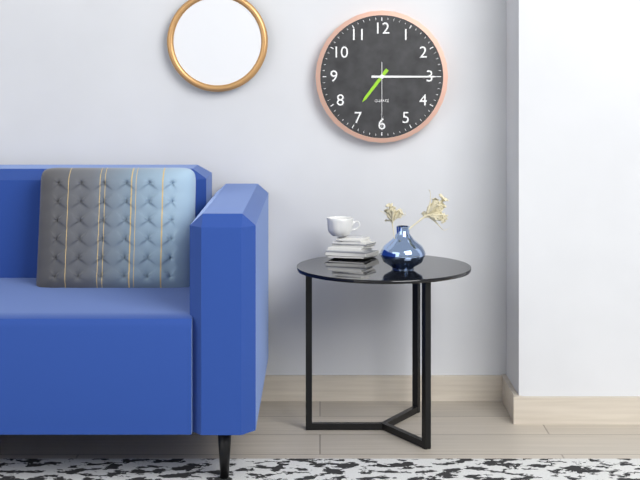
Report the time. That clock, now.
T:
7:15:30
